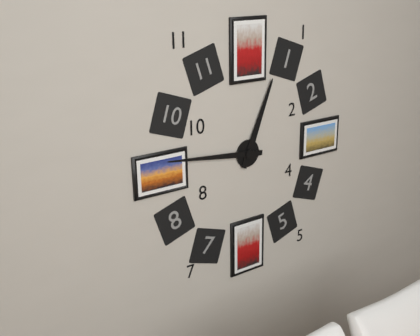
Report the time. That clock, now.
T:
12:46
